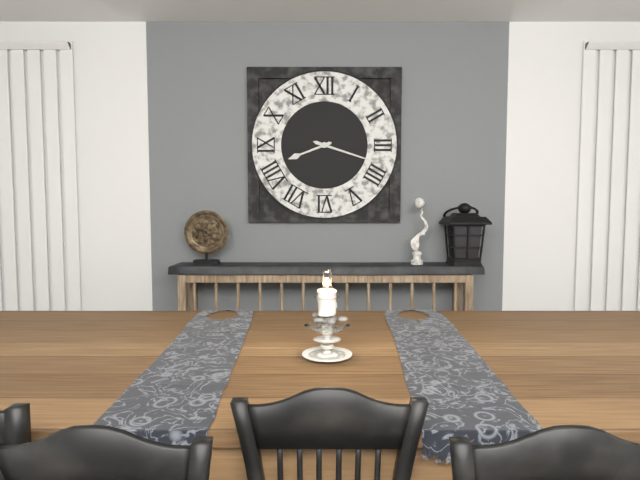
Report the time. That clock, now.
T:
8:18
